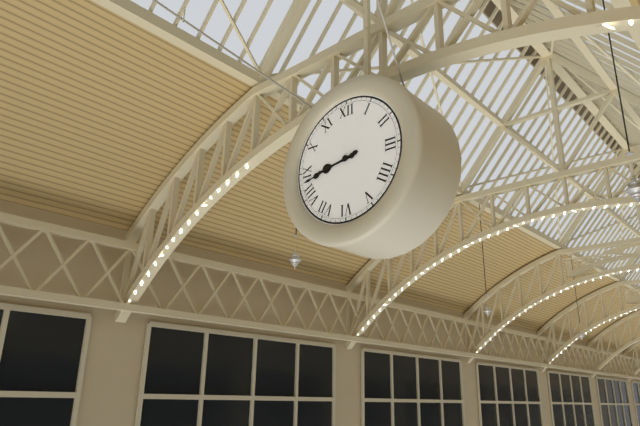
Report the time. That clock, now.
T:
8:43
